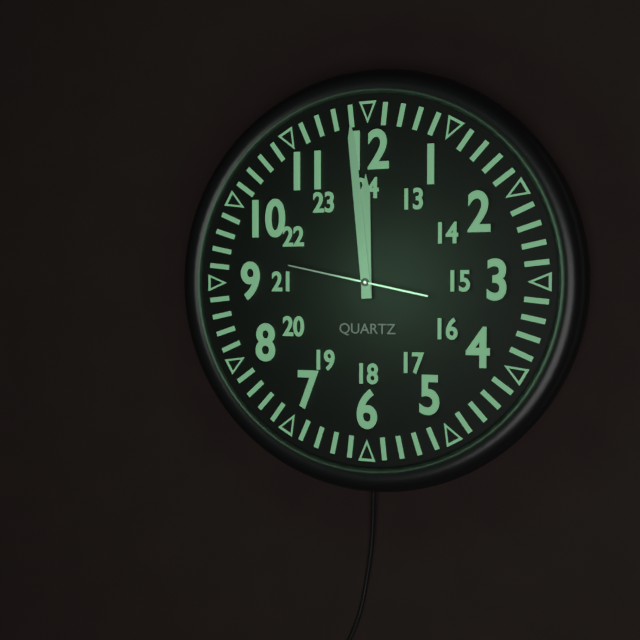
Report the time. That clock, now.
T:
11:59:47
